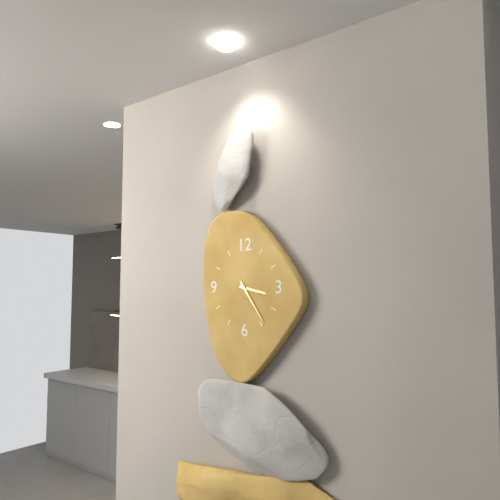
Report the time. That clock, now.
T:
3:24
